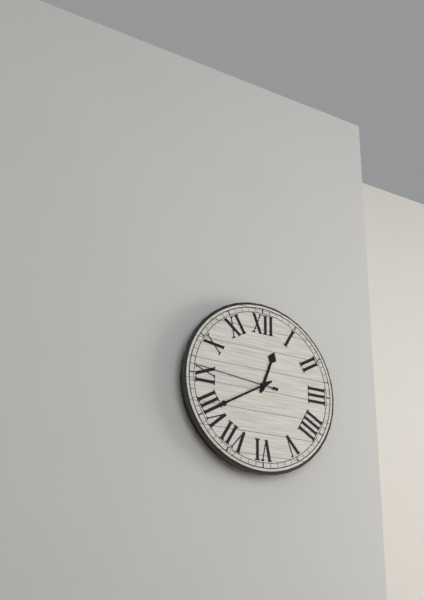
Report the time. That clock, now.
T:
12:40:46
